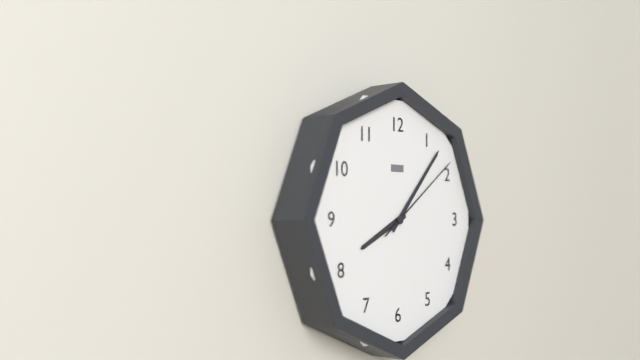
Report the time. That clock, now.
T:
8:07:09
